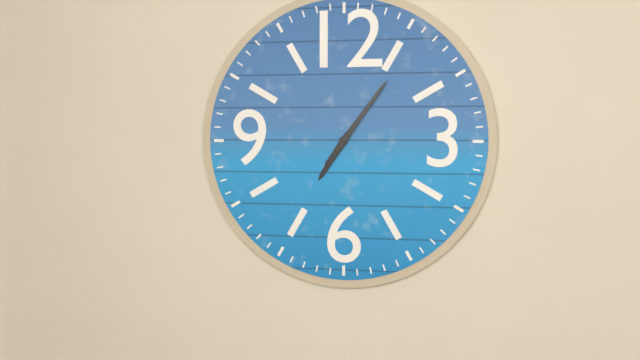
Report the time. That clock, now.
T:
7:06
